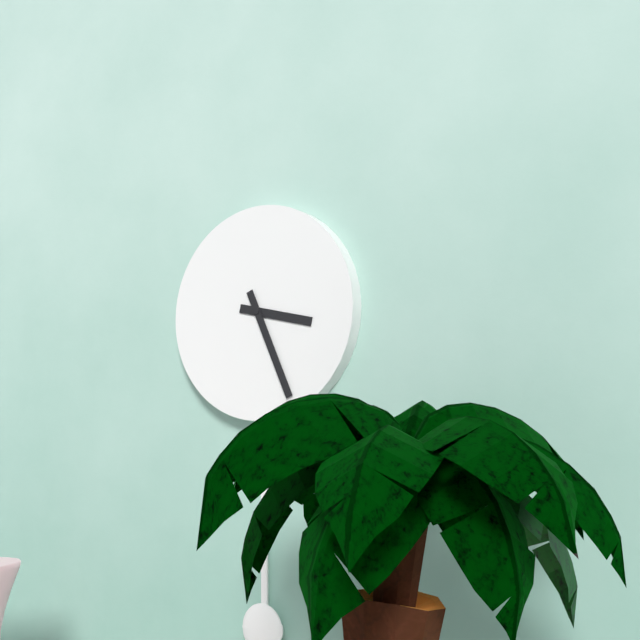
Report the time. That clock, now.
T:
3:26
